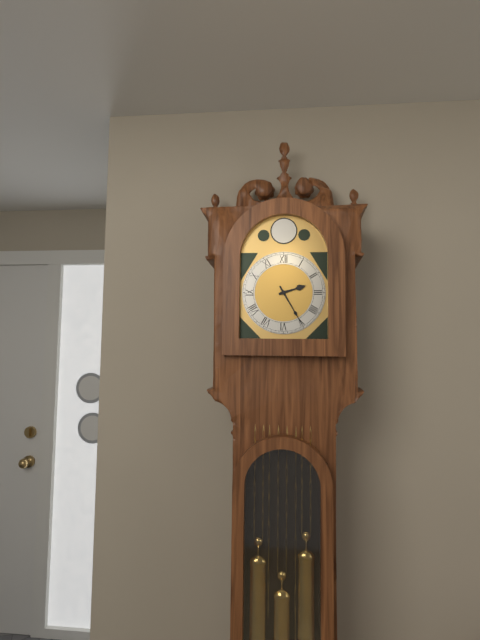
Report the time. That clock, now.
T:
2:25
